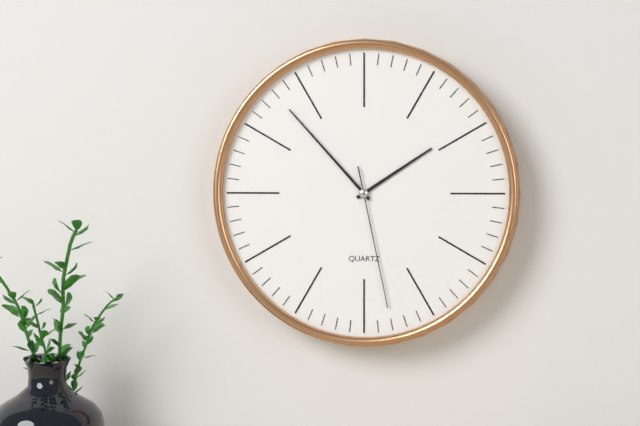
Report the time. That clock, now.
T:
1:53:28
